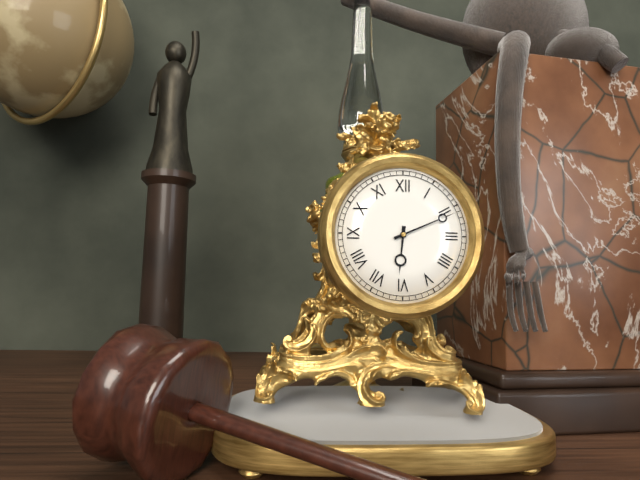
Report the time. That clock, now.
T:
6:11
